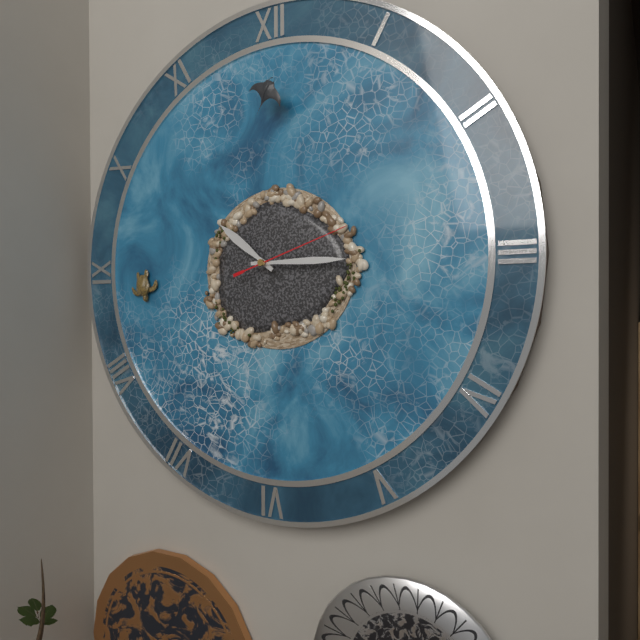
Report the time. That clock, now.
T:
10:15:12
